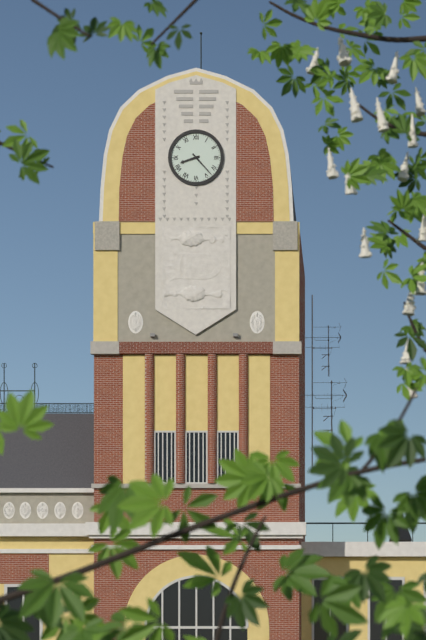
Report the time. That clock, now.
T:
8:23
